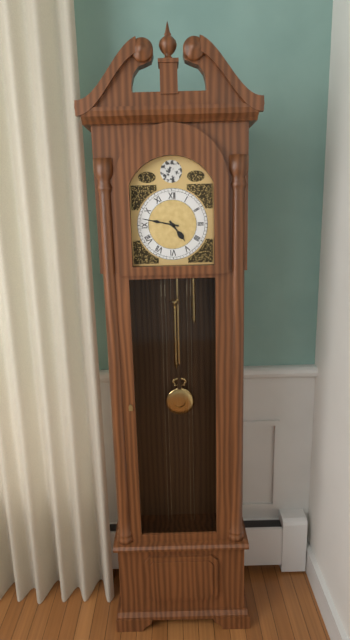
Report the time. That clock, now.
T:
4:47
